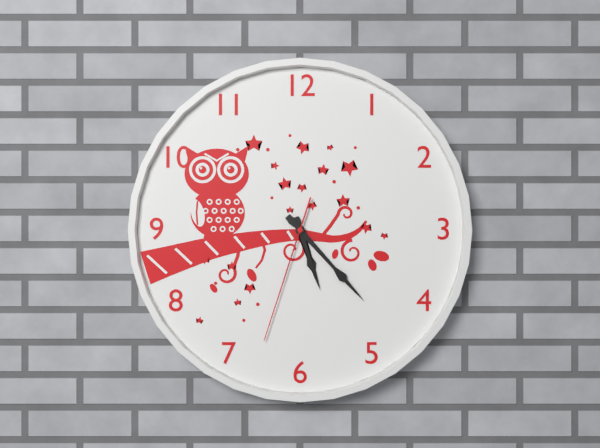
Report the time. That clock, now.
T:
5:23:33
